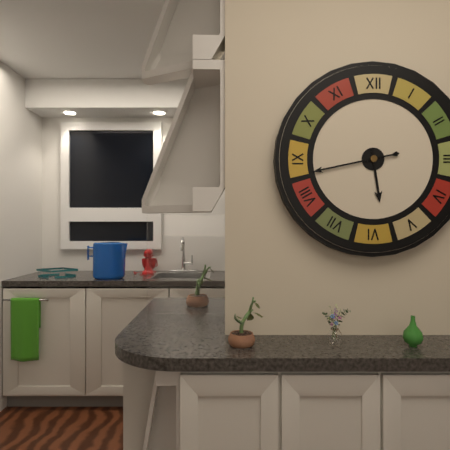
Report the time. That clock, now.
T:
5:43
